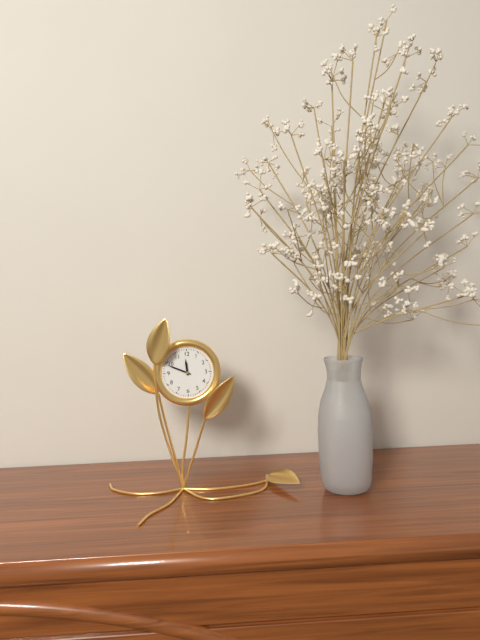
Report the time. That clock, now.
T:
11:49
